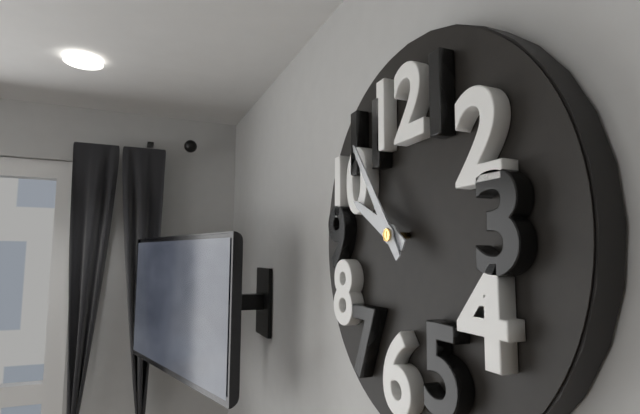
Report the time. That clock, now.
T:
9:54
